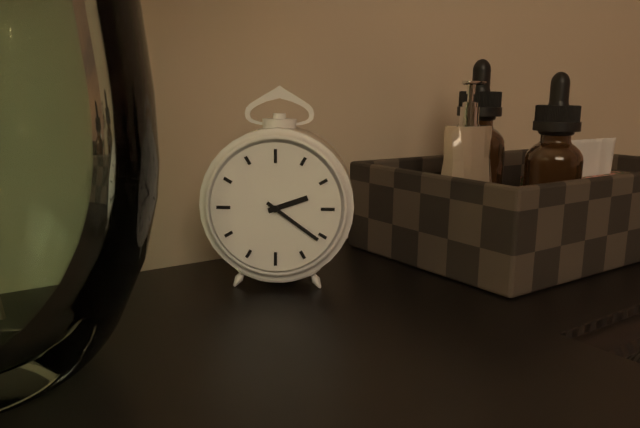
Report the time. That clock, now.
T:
2:21
